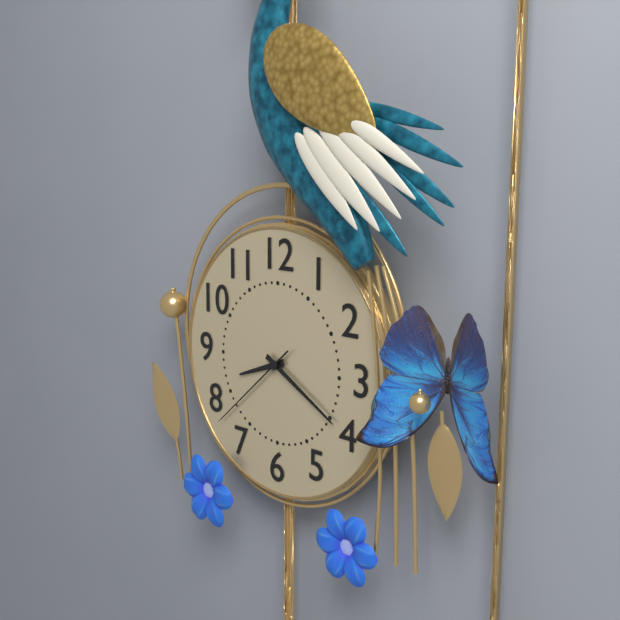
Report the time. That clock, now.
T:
8:20:38
